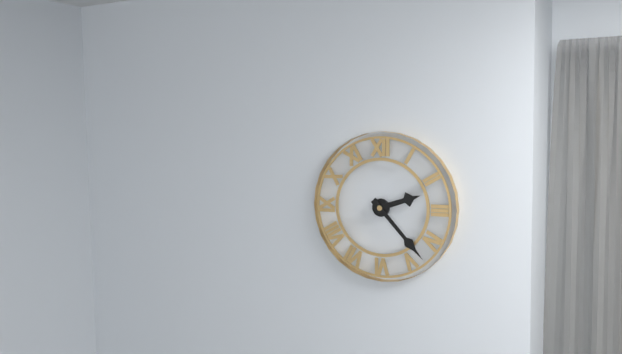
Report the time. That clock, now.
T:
2:23
